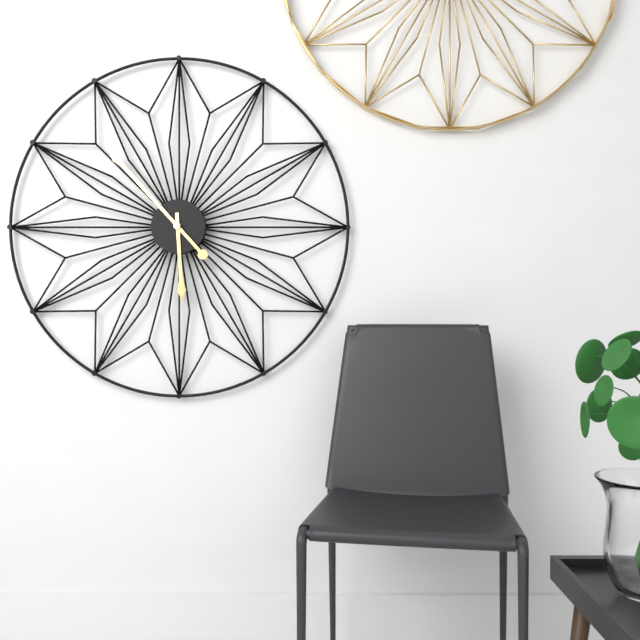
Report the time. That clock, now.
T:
5:53
